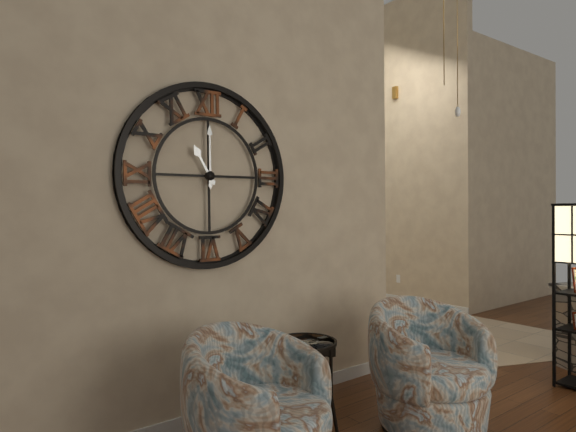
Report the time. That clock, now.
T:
11:00
